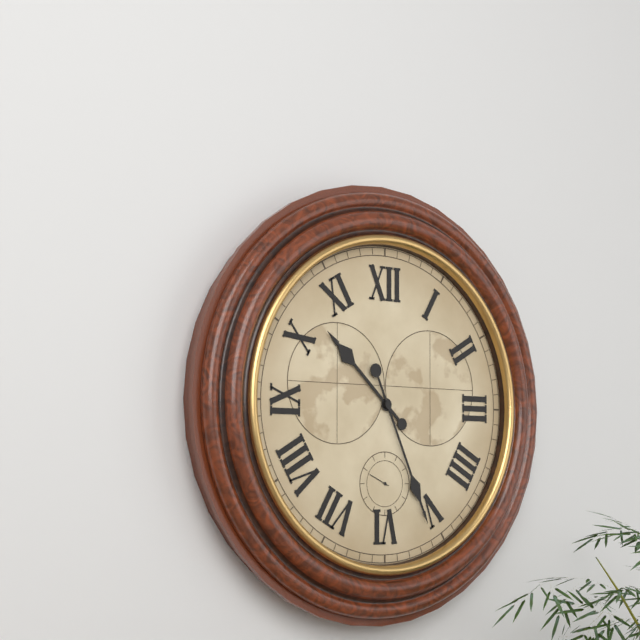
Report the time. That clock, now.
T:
10:26
